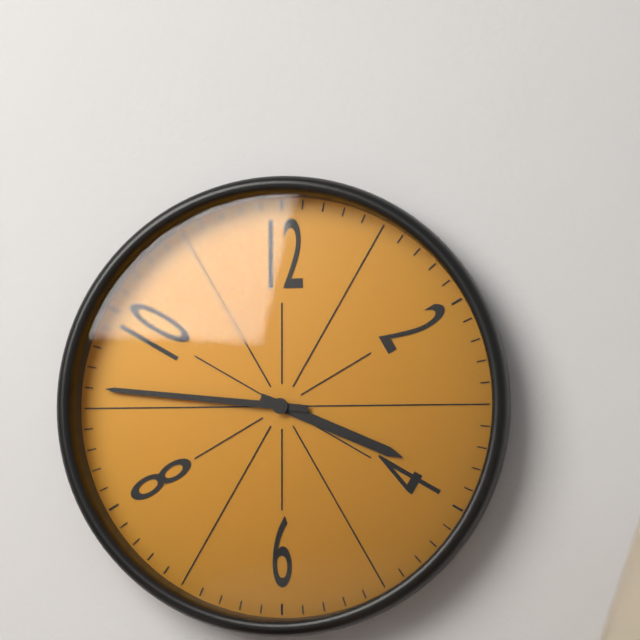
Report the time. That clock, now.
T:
3:46
